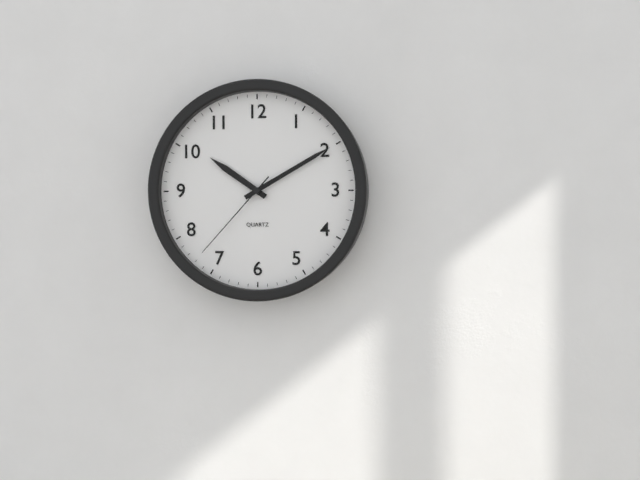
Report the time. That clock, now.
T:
10:10:37
